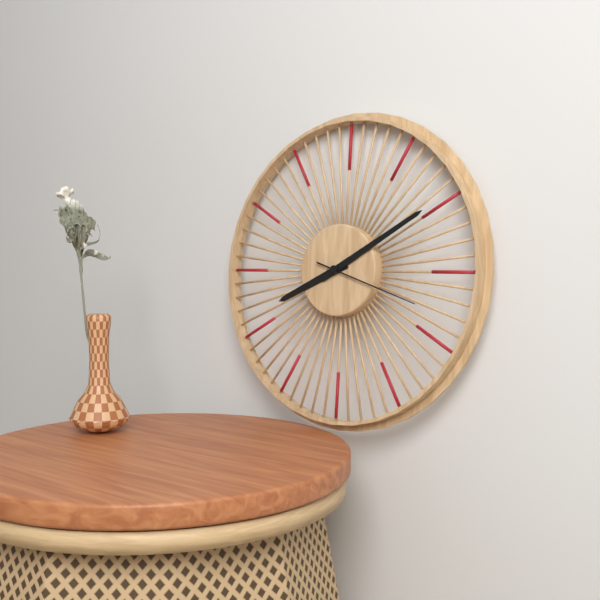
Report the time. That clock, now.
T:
8:10:18
